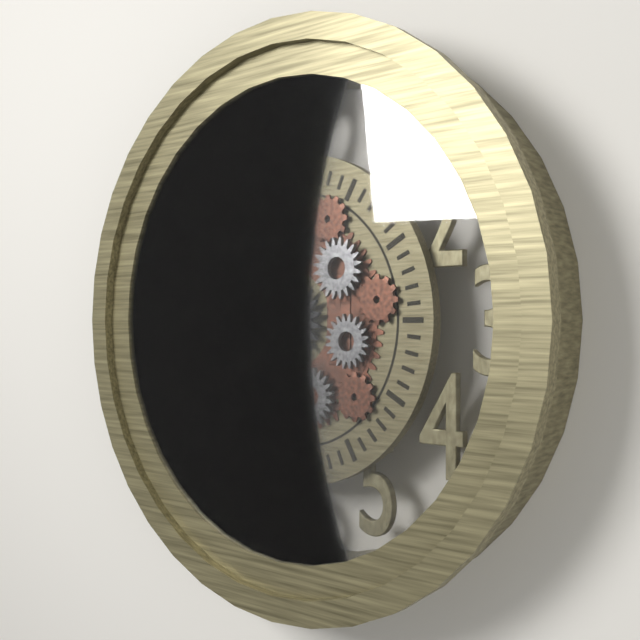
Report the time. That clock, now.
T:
8:59
